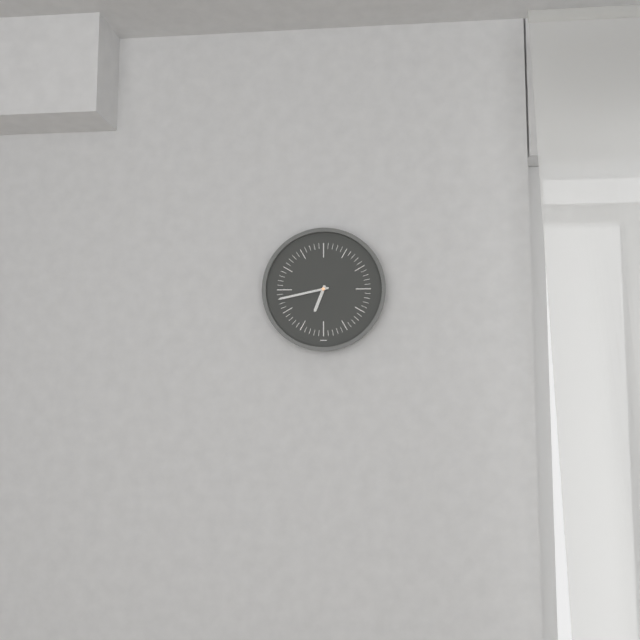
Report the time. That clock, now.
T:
6:43
